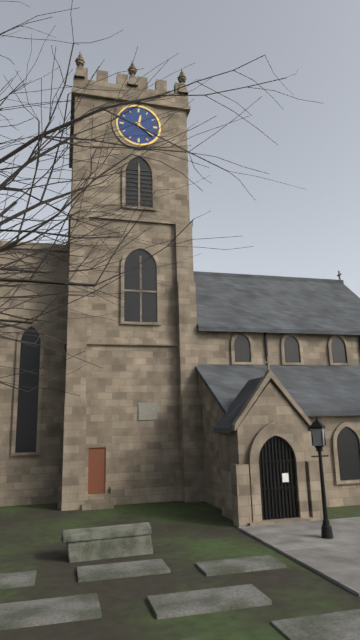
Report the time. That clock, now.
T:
12:21
